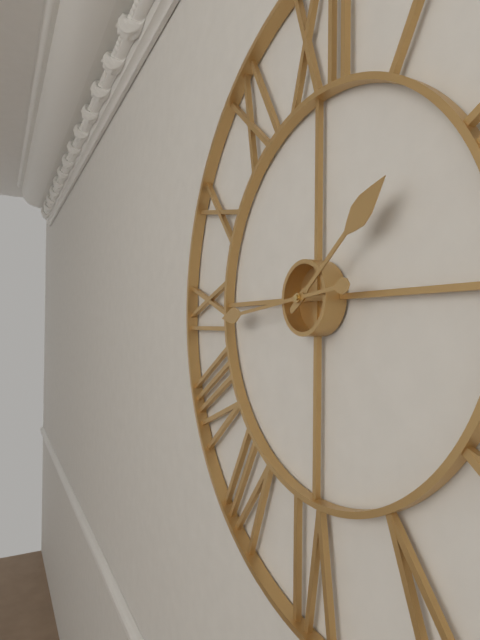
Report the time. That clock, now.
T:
1:44
